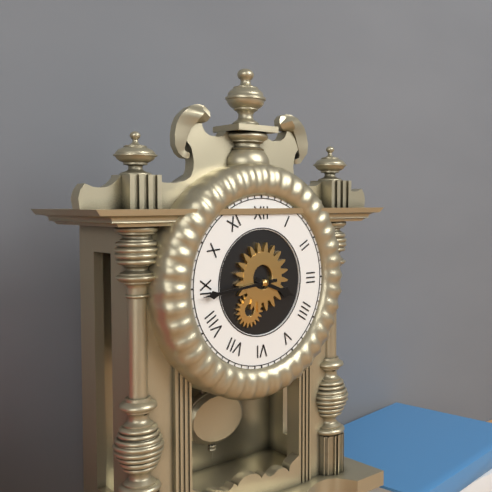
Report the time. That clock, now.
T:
3:44
